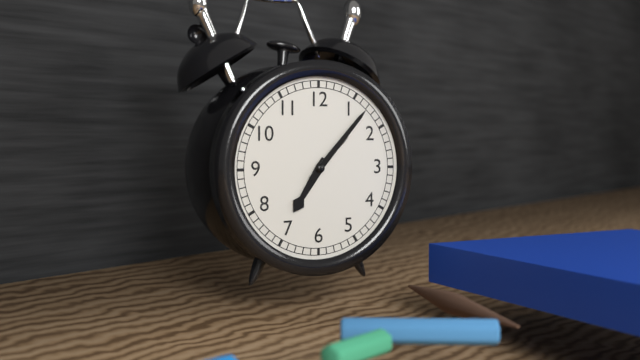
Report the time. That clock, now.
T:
7:07
